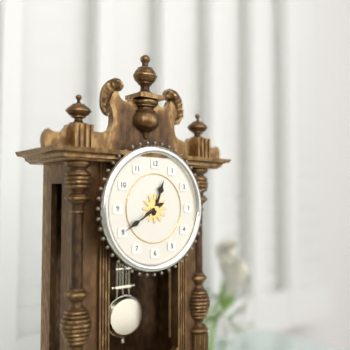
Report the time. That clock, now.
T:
12:40
